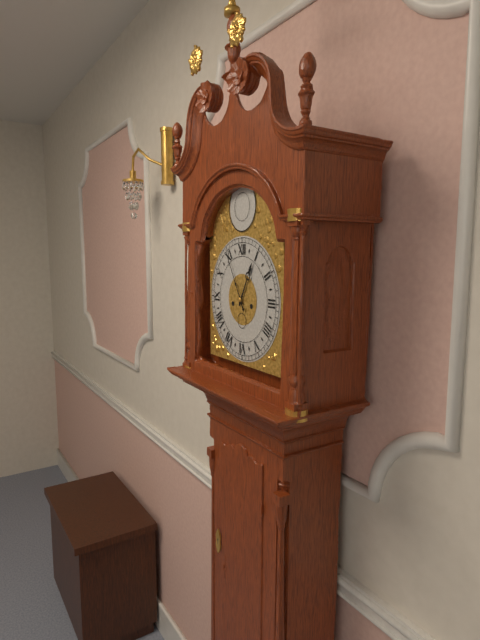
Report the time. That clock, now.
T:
12:55
